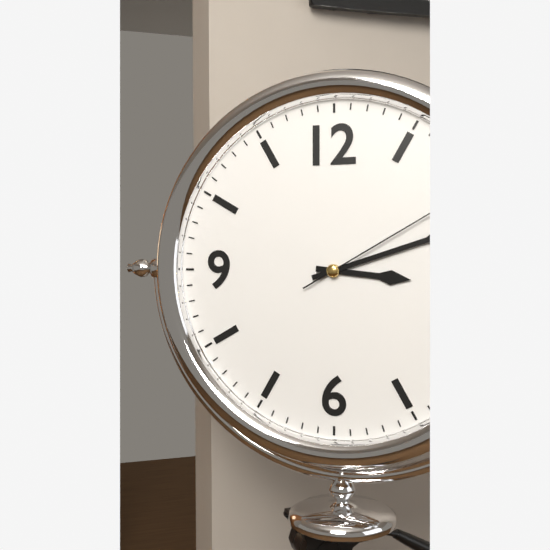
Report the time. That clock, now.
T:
3:12:10
